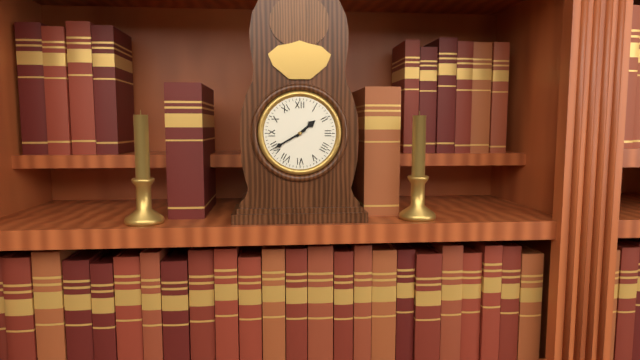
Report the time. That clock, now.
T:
1:40
